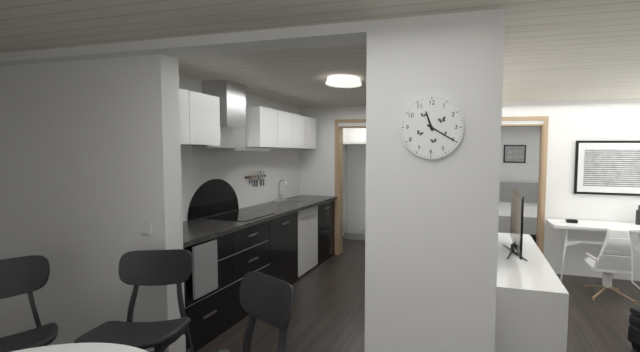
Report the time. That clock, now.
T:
11:20
